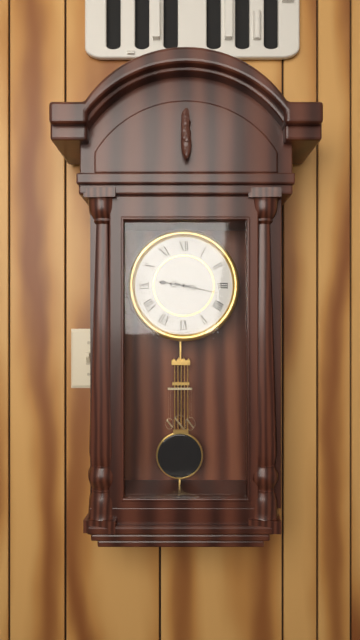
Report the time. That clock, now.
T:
9:17
